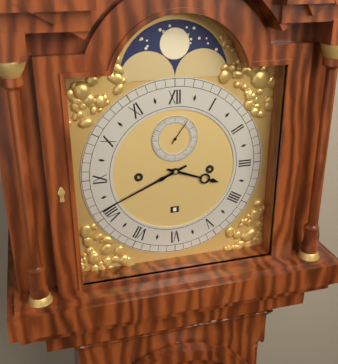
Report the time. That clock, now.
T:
3:41
